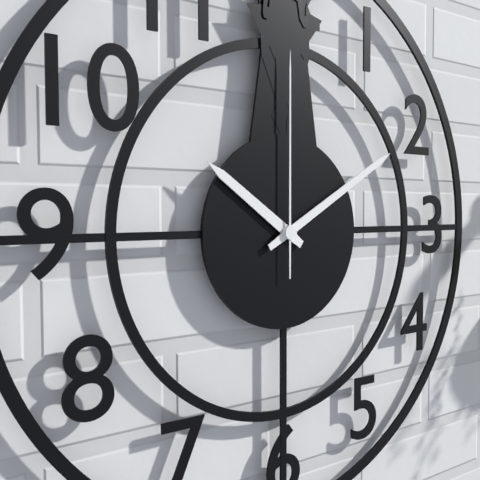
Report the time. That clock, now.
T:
10:10:00
